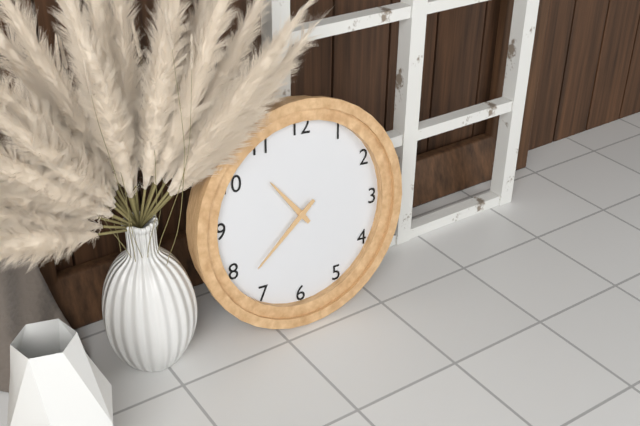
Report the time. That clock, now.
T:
10:38
